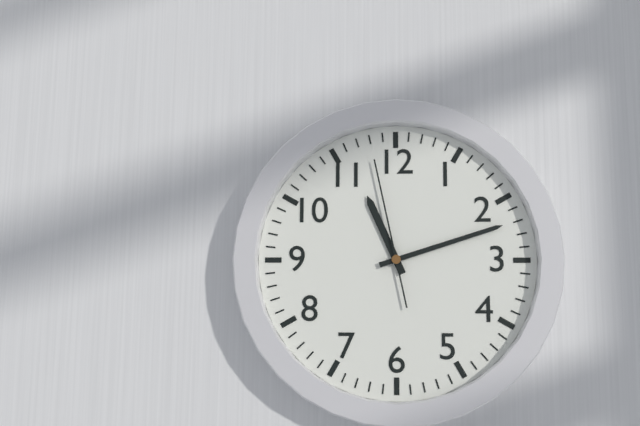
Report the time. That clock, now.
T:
11:12:58
